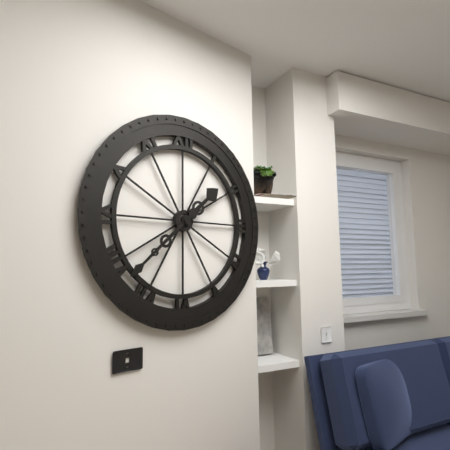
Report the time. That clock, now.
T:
1:38
